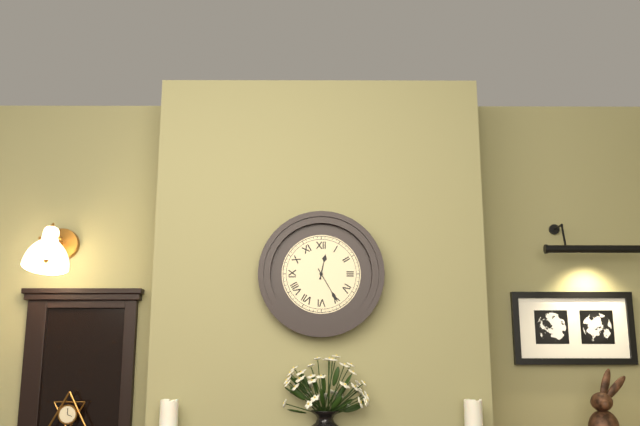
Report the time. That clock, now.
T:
12:25
